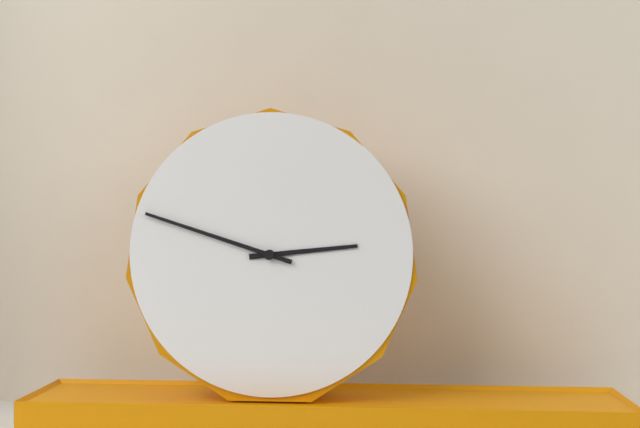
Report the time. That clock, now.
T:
2:48
